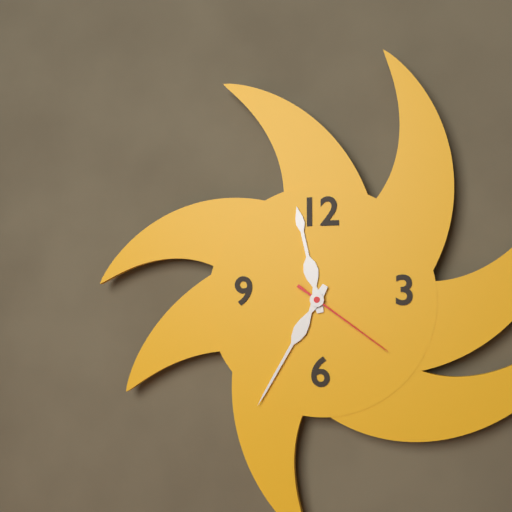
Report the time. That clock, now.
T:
11:35:21
